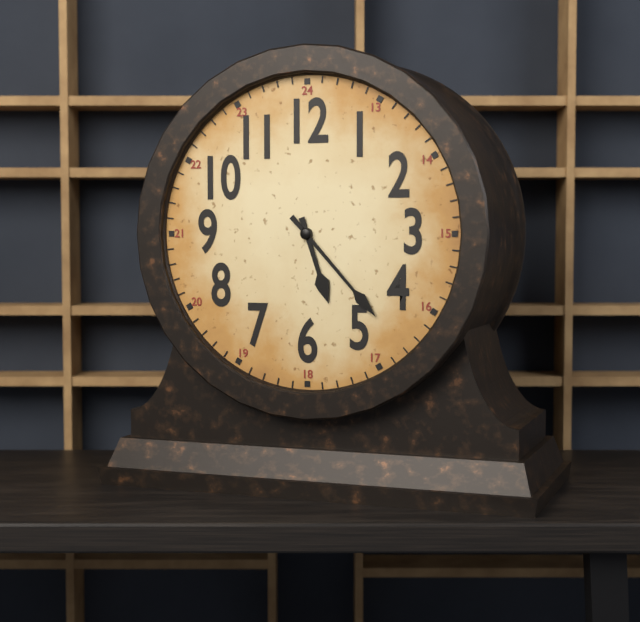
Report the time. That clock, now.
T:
5:23
